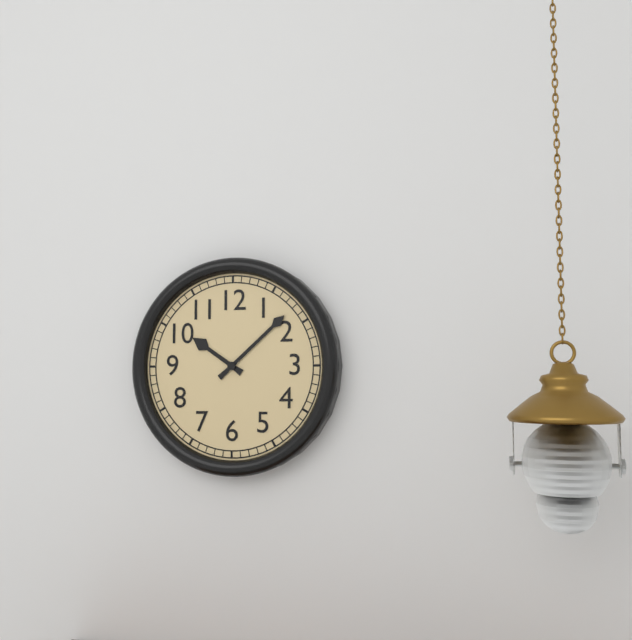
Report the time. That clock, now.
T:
10:08
